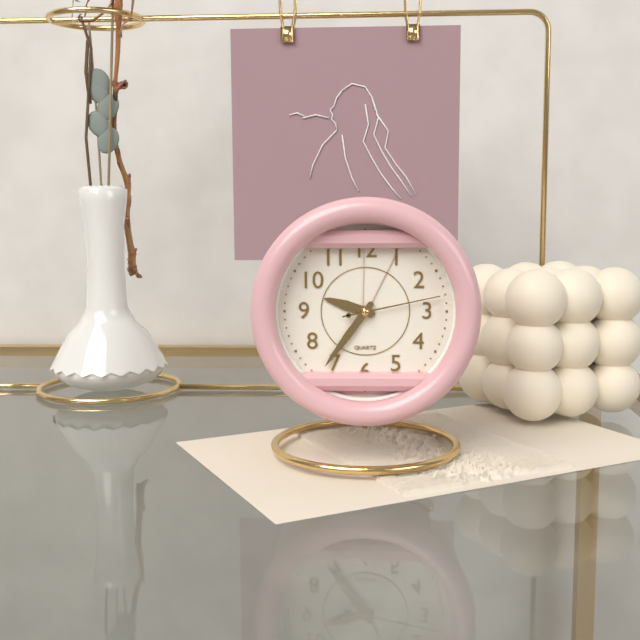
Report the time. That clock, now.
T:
9:36:13
